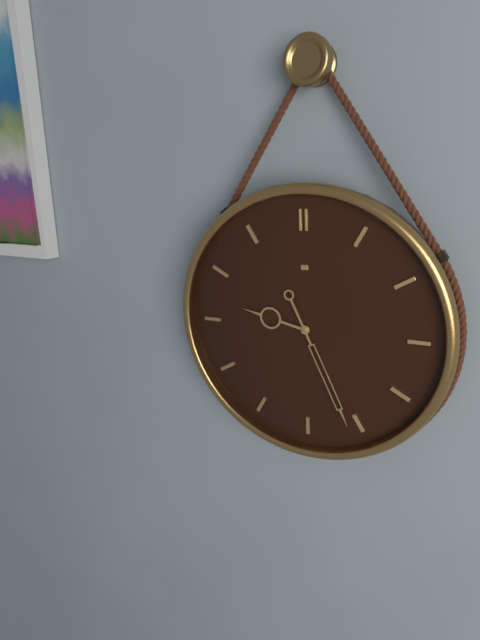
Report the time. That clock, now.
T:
9:26
